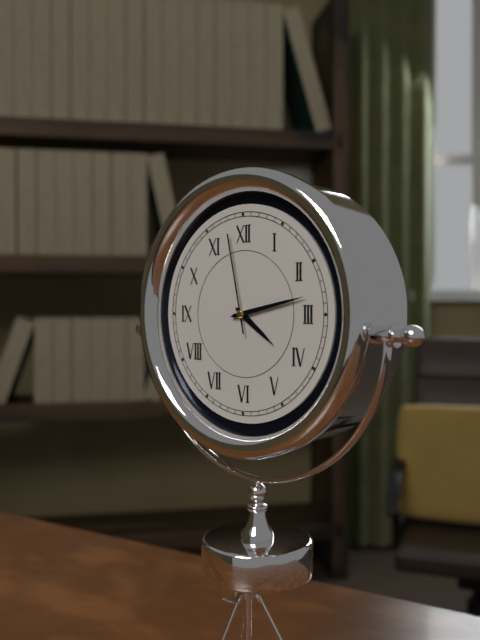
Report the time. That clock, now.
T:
4:13:58
